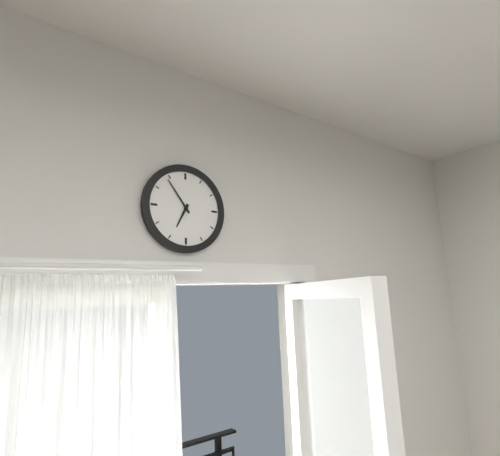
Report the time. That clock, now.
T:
6:54
